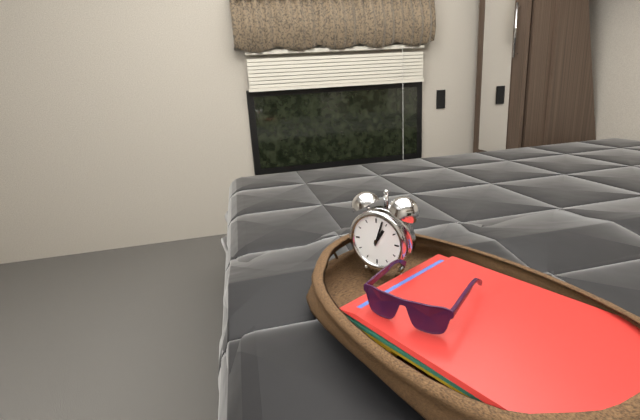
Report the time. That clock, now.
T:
1:03
